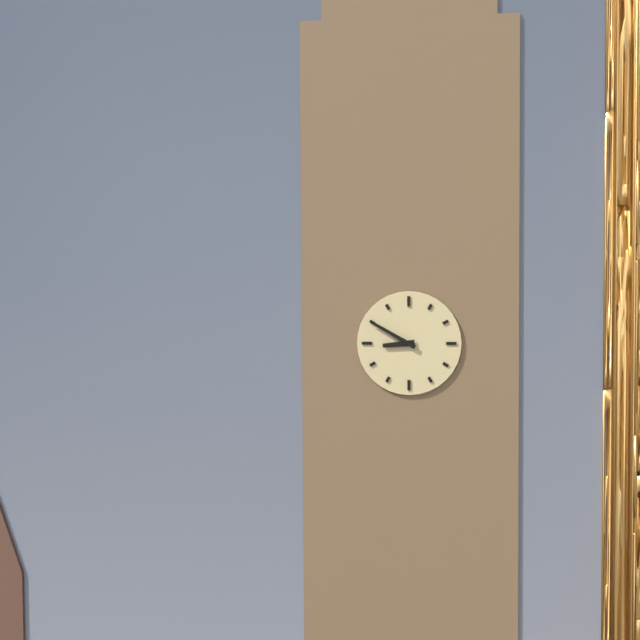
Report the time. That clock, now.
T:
8:50
